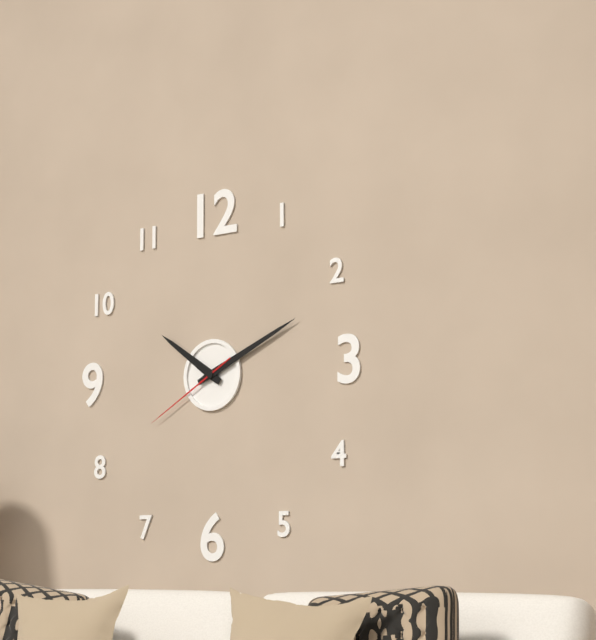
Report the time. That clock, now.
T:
10:11:40
